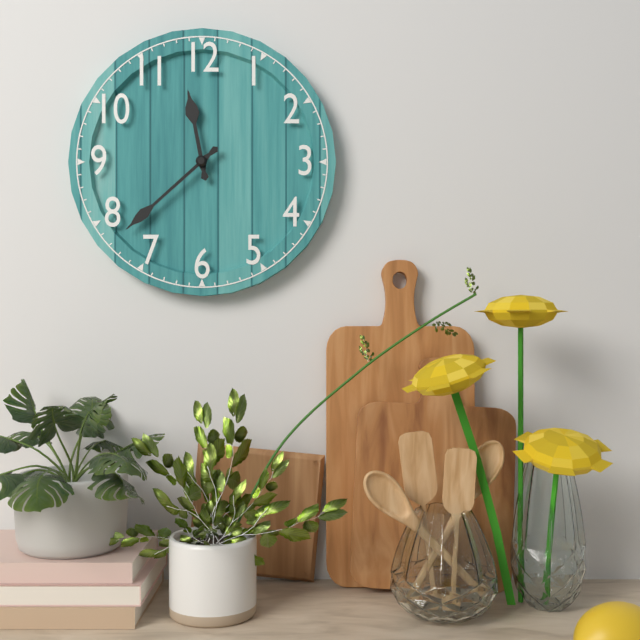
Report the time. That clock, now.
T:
11:38
